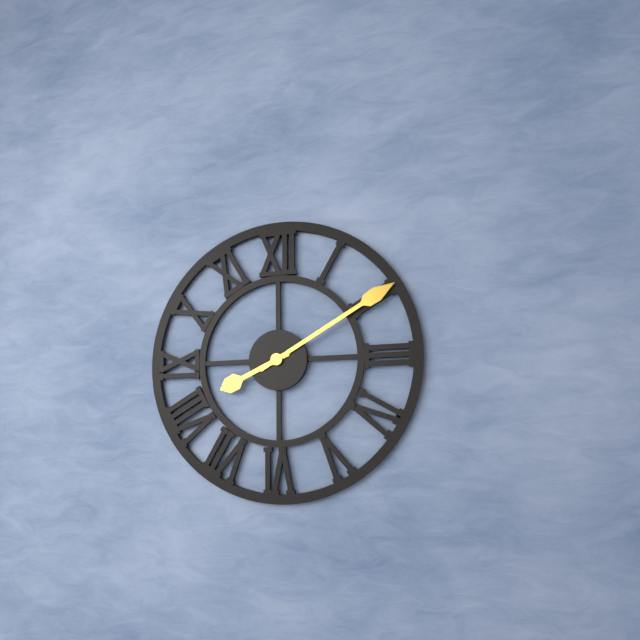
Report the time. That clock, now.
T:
8:10
